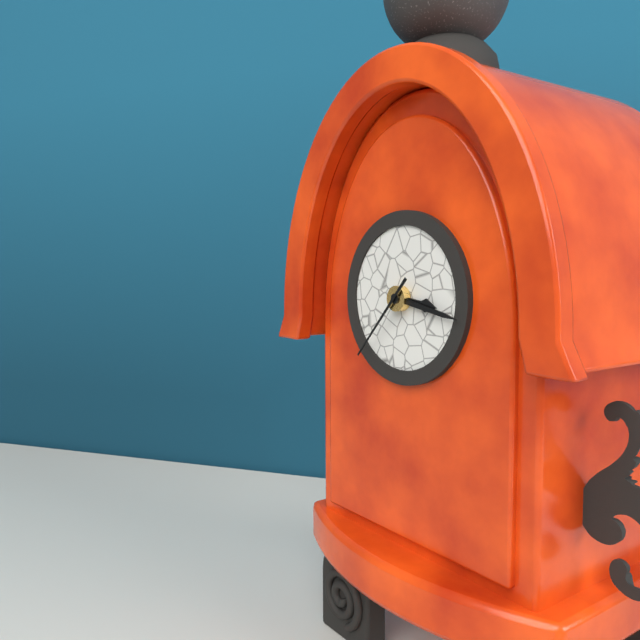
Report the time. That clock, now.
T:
3:17:37
